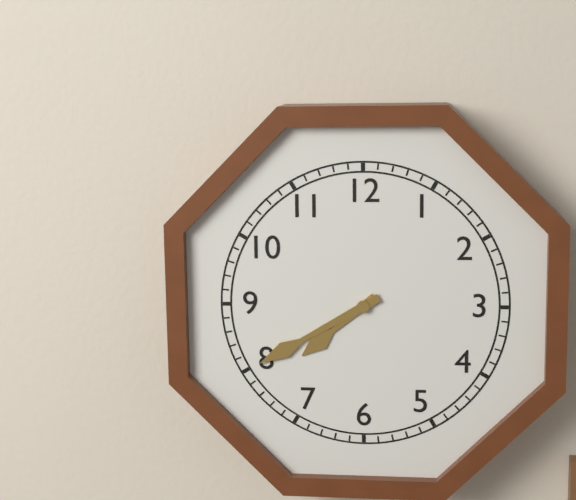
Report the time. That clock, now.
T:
7:40
